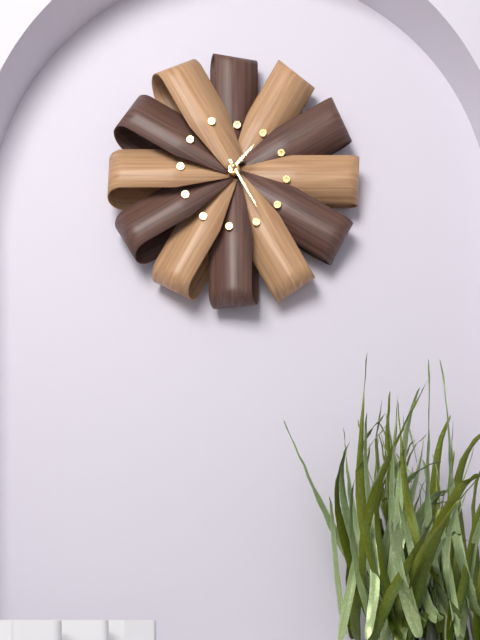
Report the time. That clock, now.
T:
1:25
